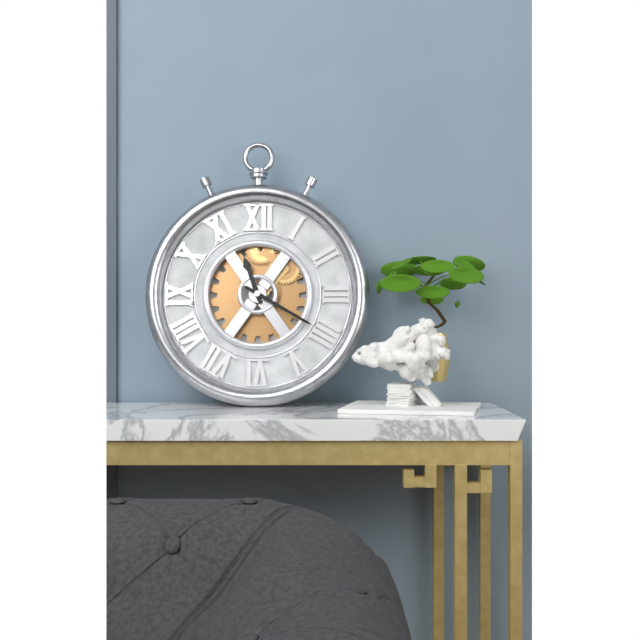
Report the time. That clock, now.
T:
11:20
